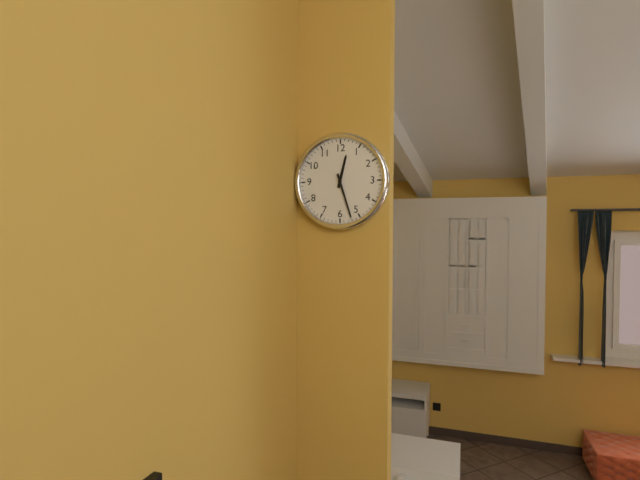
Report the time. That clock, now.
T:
12:27
